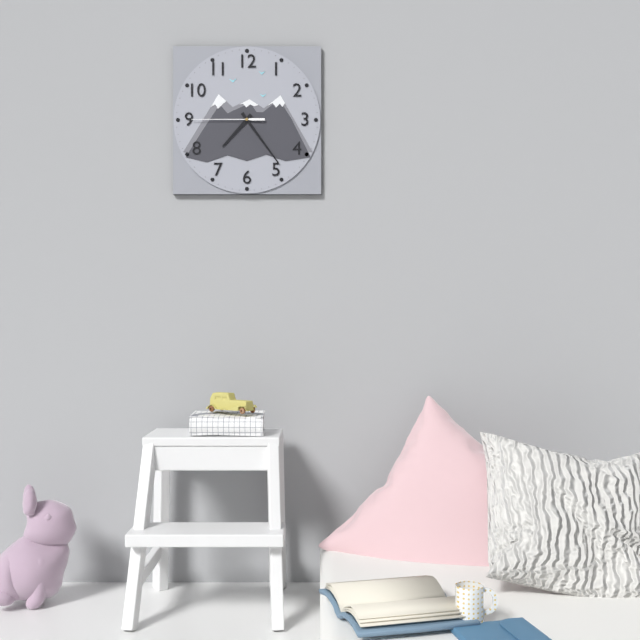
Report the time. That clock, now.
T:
7:24:45
